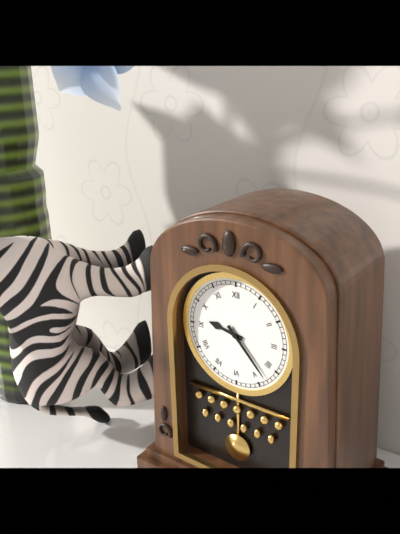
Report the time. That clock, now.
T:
9:23
